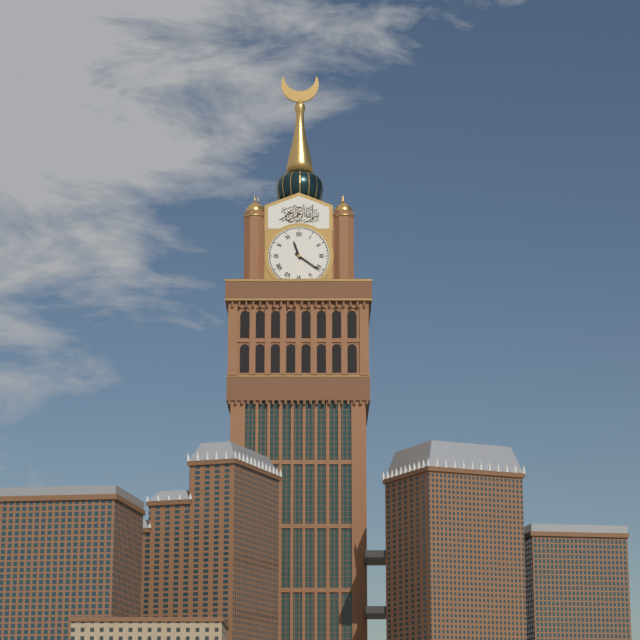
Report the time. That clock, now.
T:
11:21
